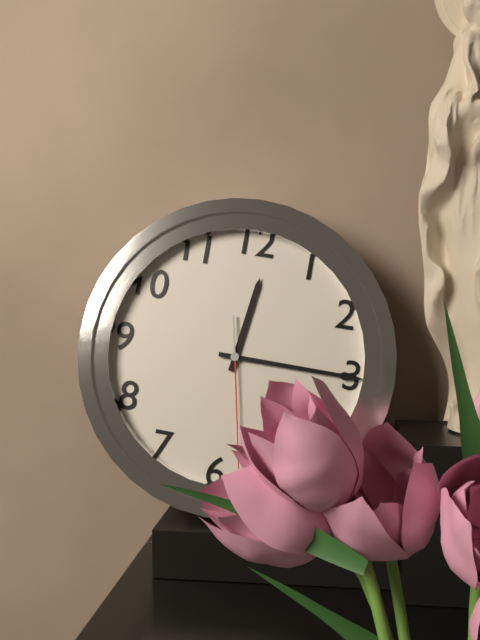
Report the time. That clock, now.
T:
12:15:28
